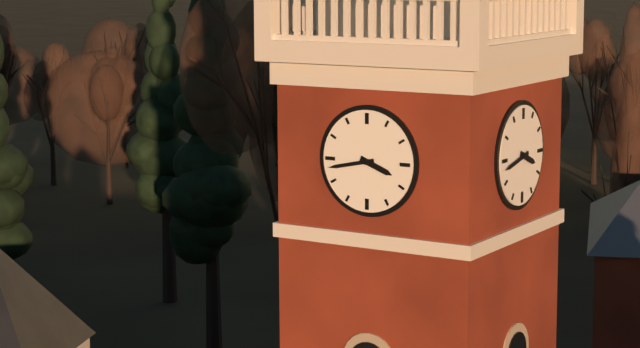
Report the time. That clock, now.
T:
3:43
